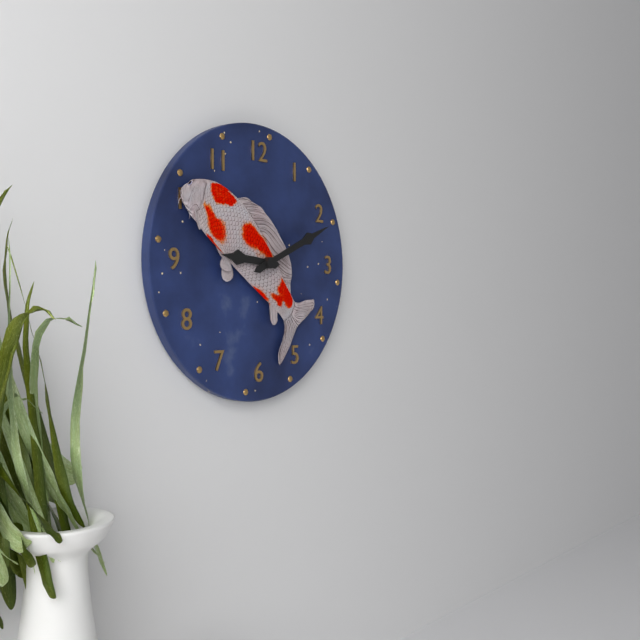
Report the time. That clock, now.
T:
9:11
